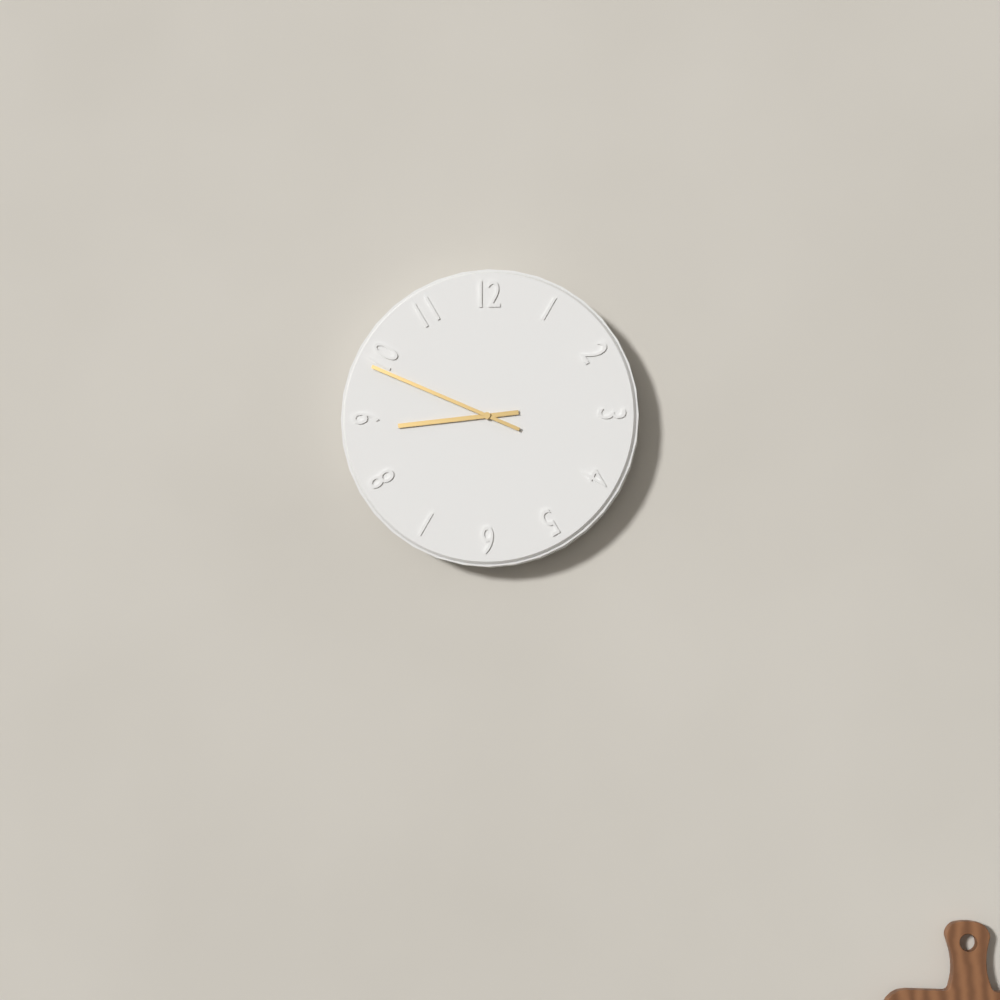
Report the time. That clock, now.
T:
8:49
